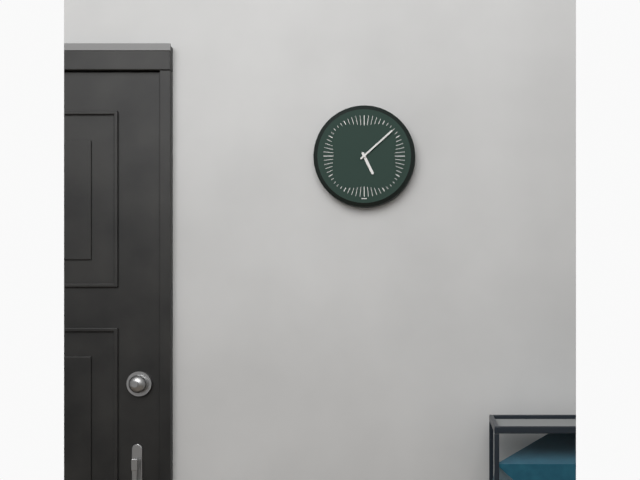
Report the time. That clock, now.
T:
5:08
